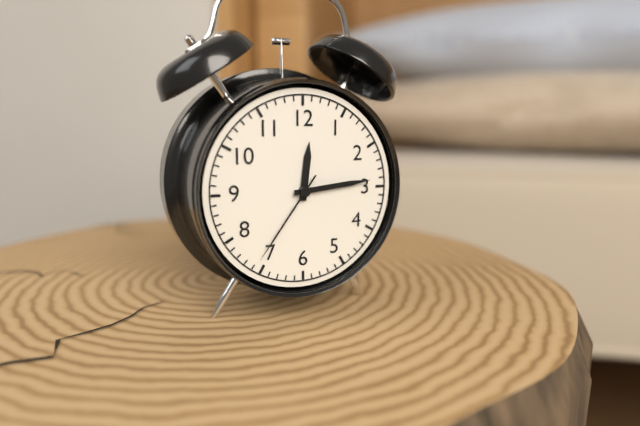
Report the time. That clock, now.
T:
12:14:36
